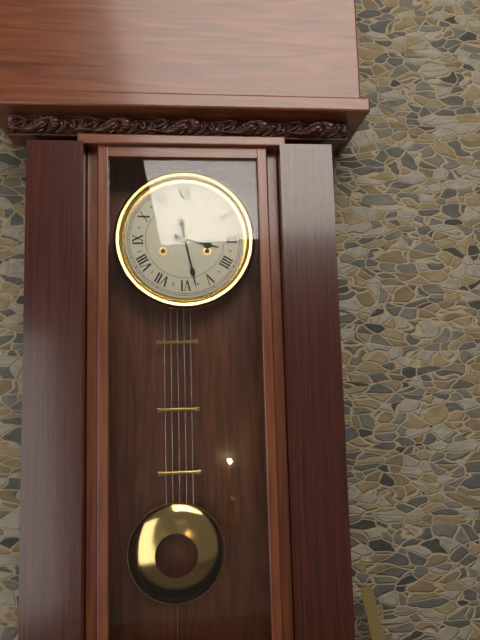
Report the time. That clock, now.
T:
3:28
